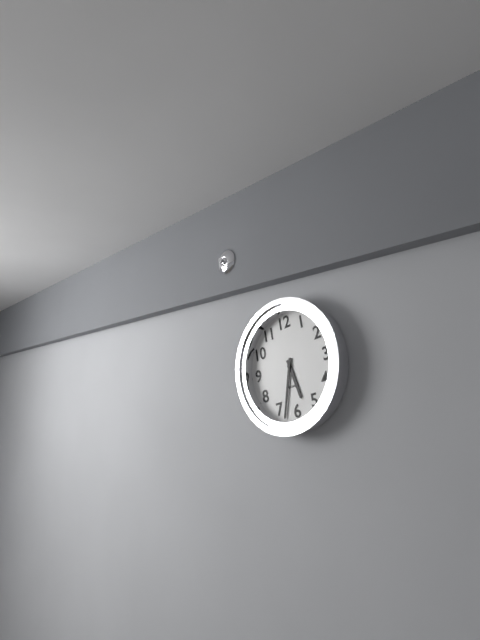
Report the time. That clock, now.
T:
5:33
